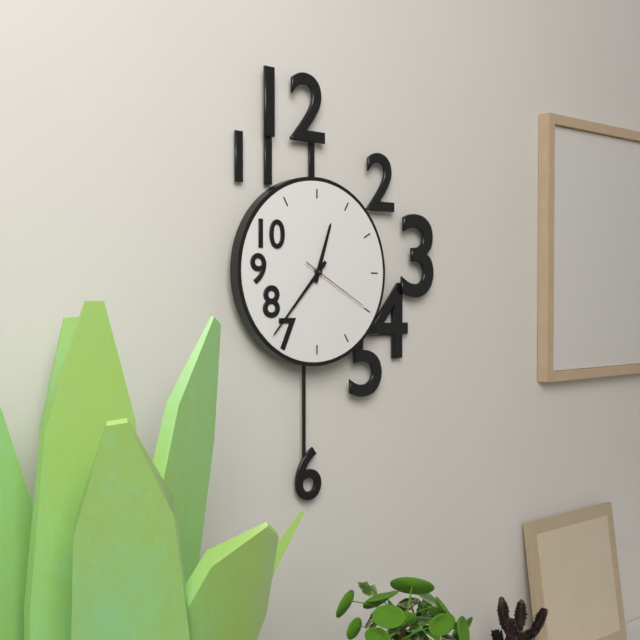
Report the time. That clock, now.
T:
12:37:20
